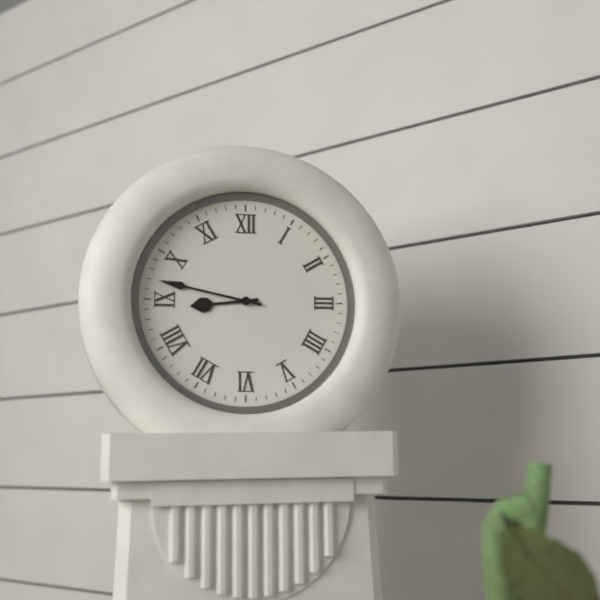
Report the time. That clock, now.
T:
8:47
